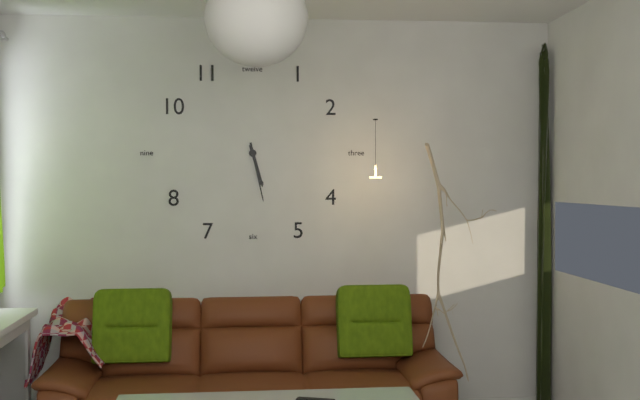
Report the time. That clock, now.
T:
5:28
